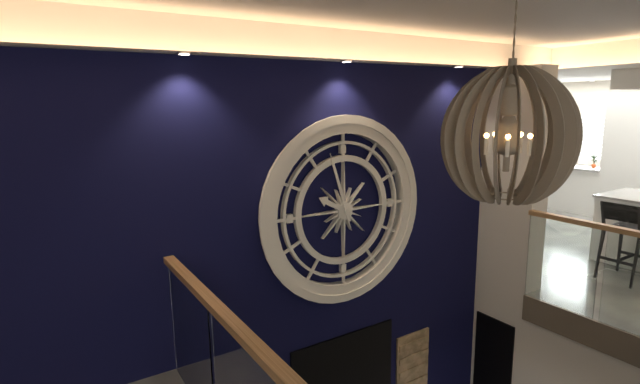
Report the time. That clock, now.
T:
9:57
